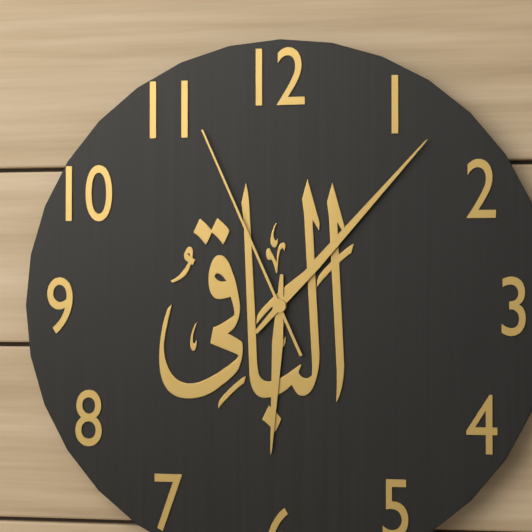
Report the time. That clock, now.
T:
6:07:56
